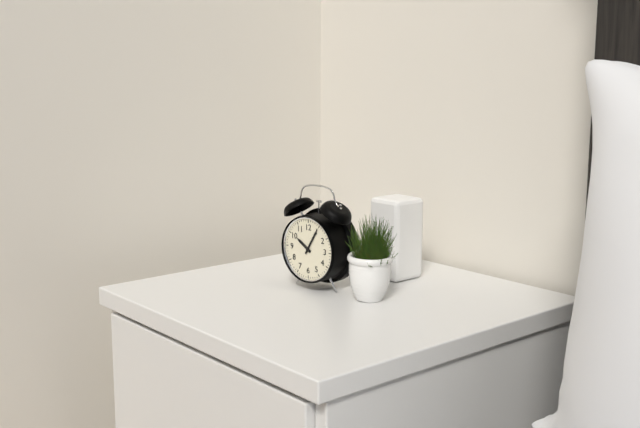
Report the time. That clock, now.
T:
10:05
